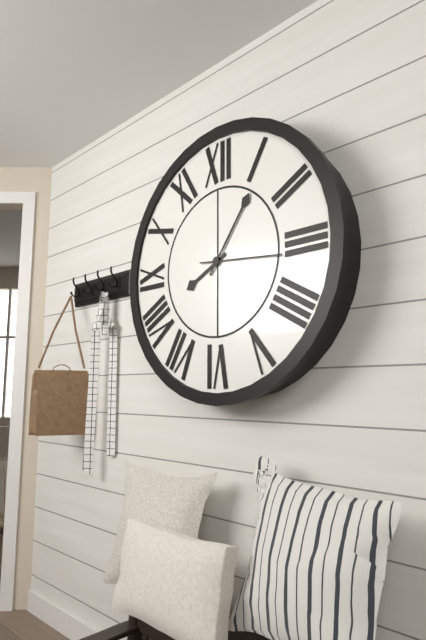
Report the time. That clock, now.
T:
8:06:16
